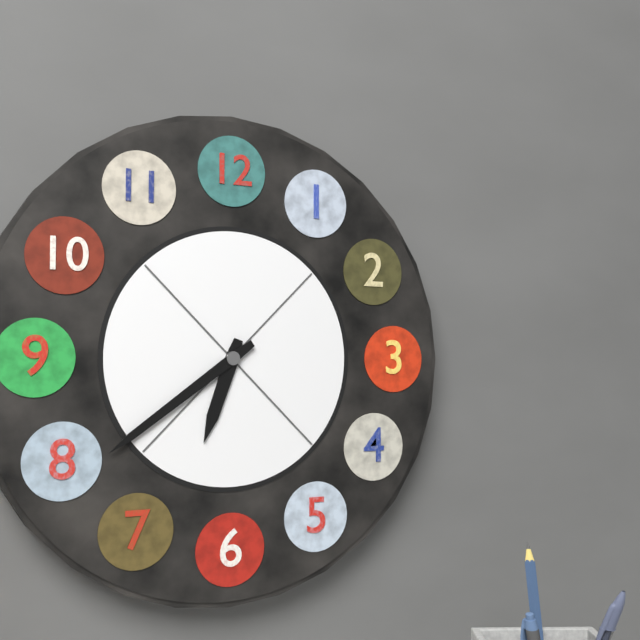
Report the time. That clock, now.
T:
6:39
